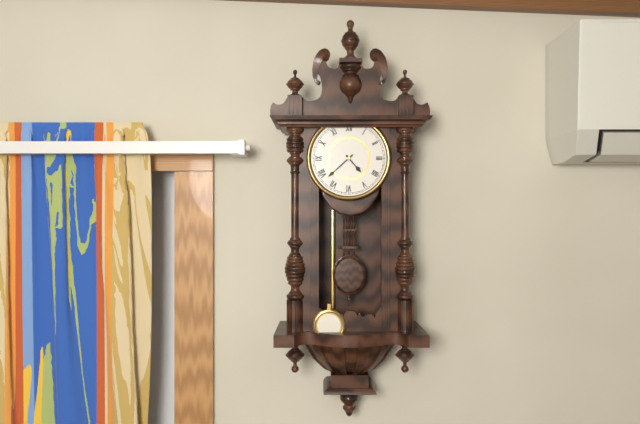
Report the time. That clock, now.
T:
4:38
